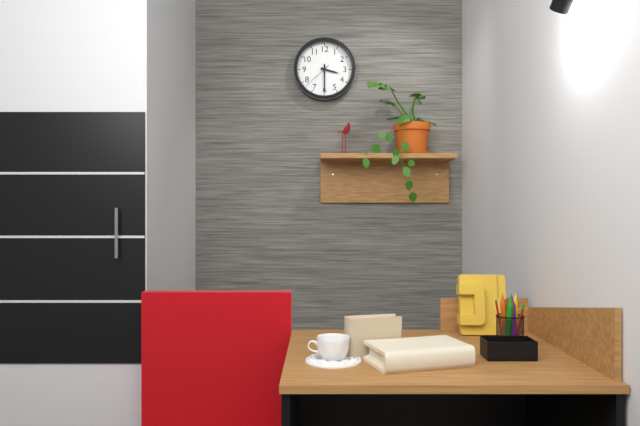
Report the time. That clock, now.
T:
3:30
